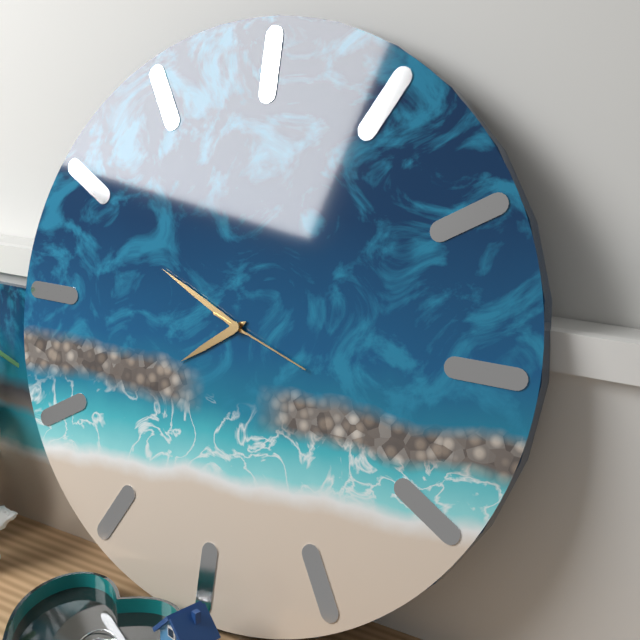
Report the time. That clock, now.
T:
7:49:18
